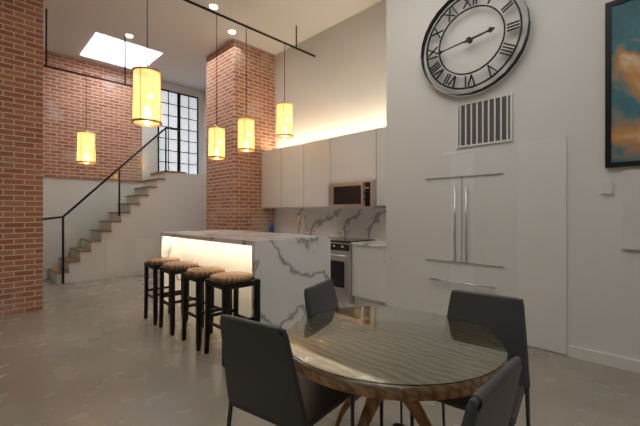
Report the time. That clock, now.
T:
2:44
